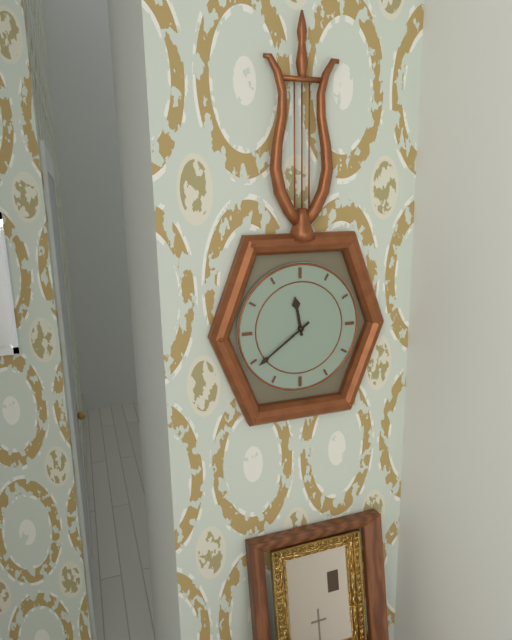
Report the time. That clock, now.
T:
11:39
